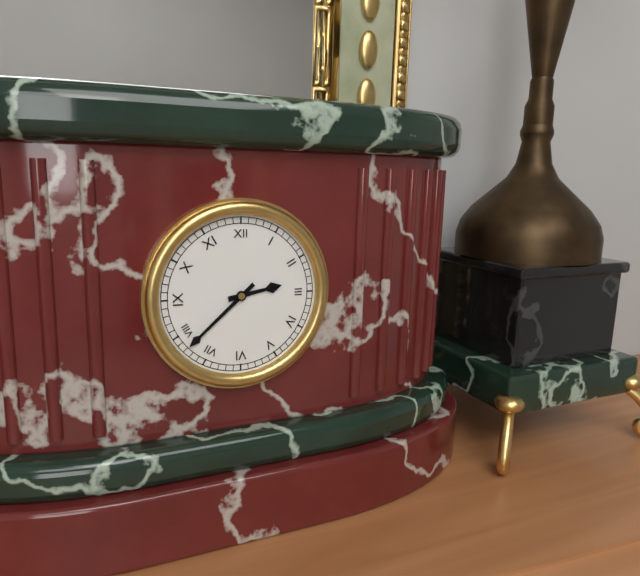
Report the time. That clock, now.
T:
2:38
